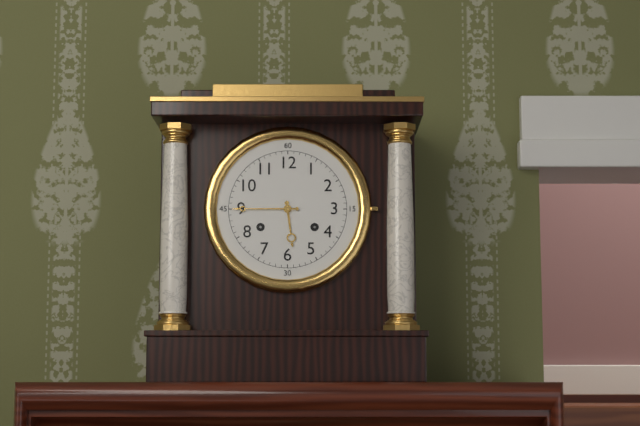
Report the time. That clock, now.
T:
5:45
